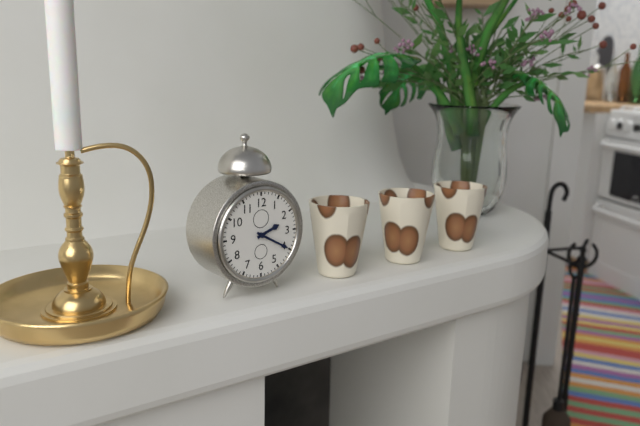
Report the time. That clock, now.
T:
2:20
